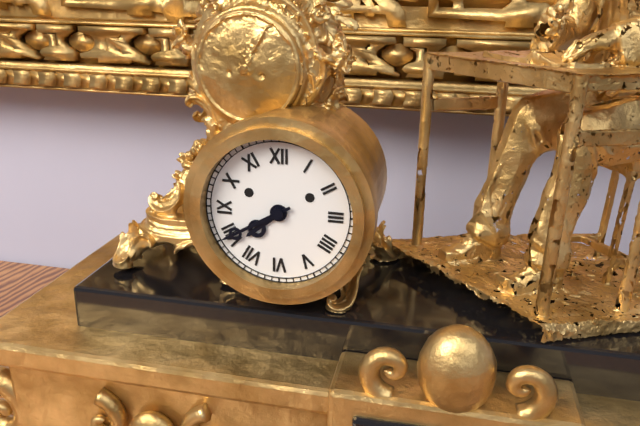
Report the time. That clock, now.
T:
7:40
